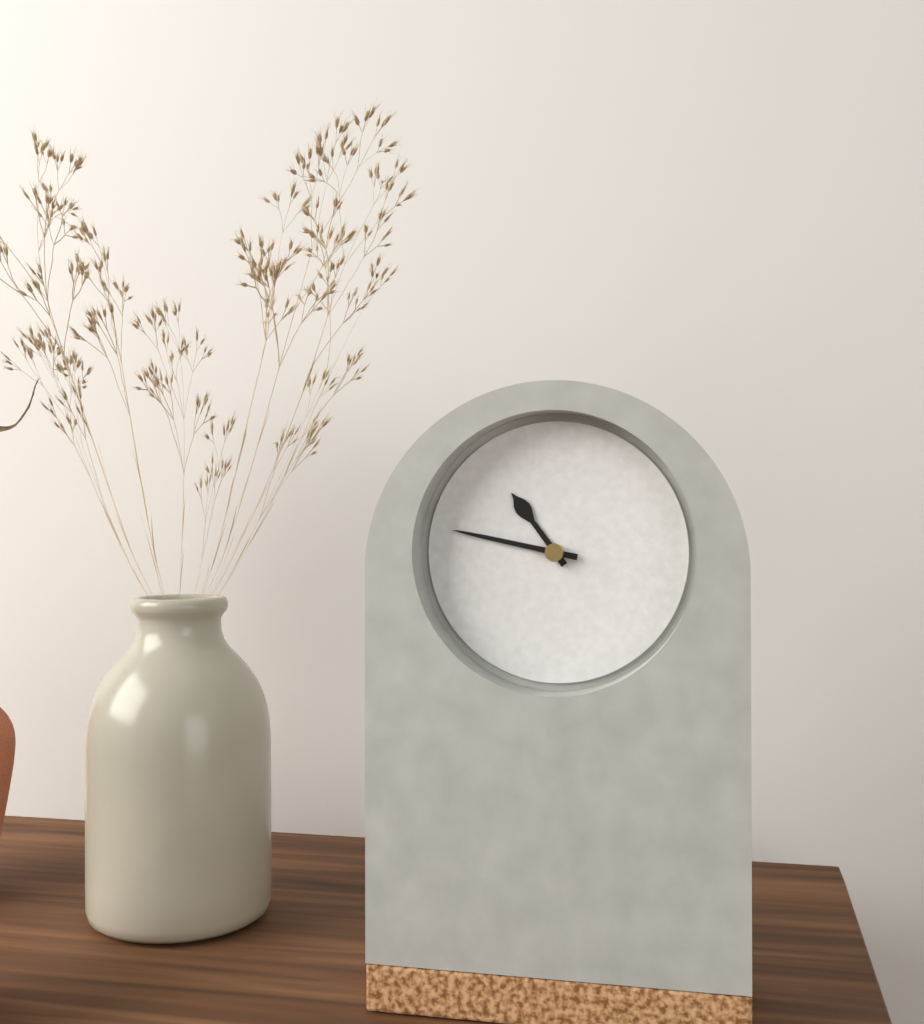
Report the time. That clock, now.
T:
10:47
